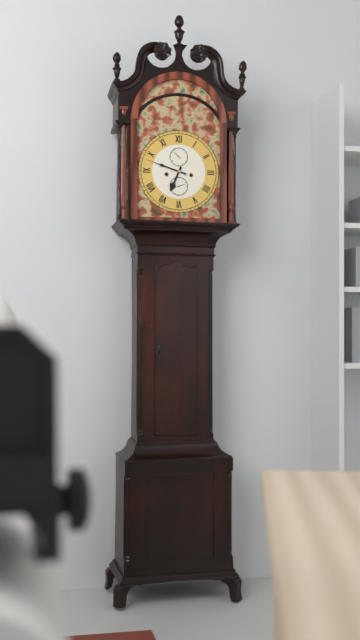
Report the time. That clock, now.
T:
6:48
